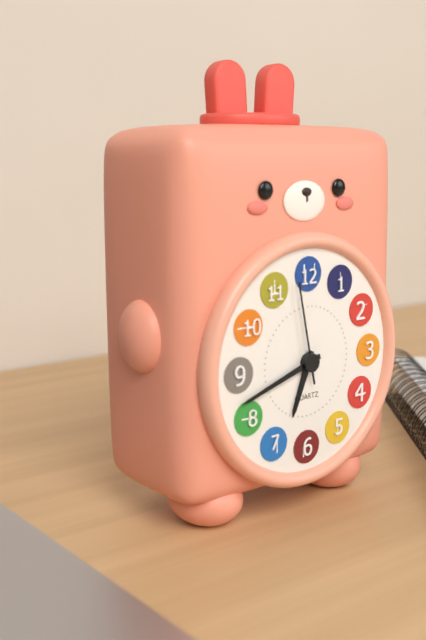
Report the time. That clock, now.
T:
6:42:58
